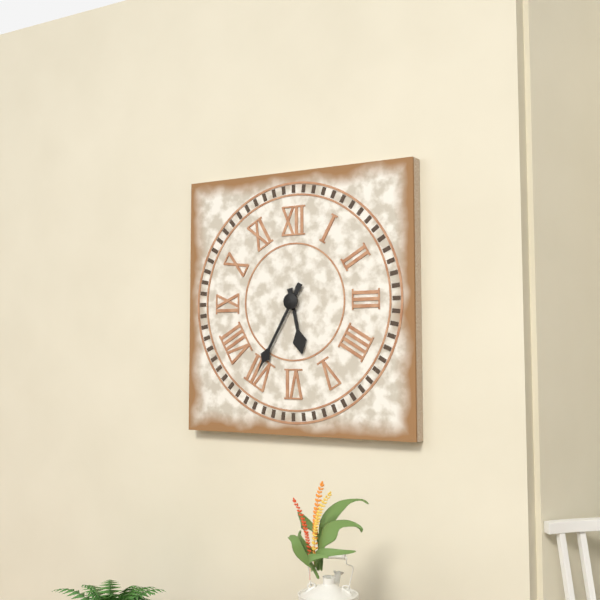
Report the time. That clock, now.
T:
5:35
